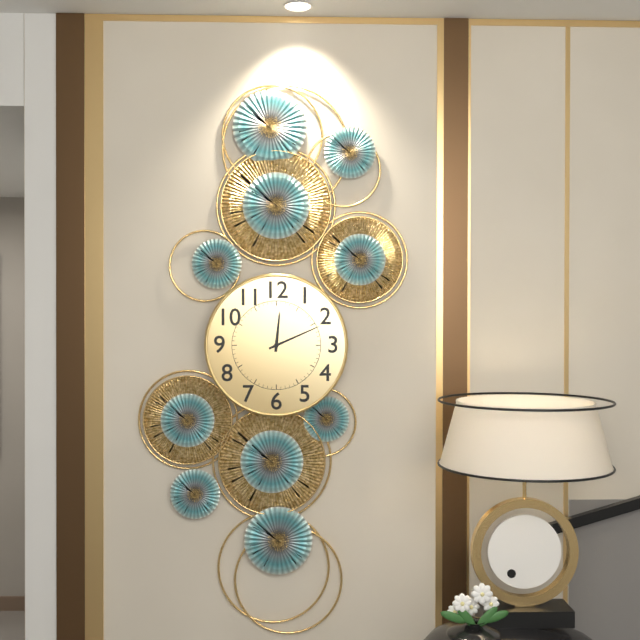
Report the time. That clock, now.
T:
12:11
